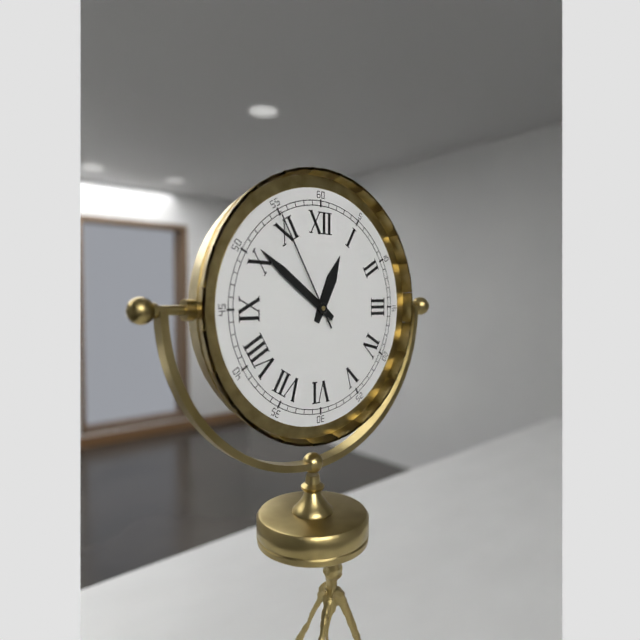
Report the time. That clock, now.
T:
12:51:55
